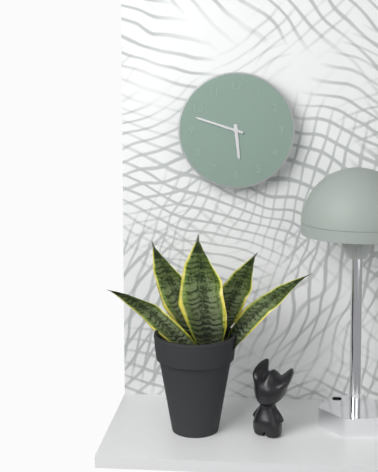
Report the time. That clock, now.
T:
5:48
